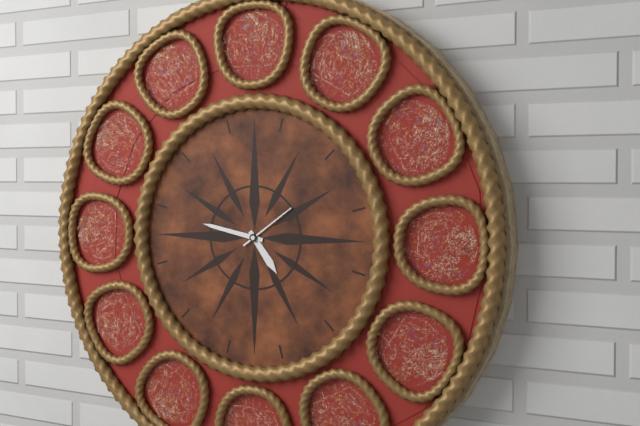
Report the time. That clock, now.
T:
4:47:09
